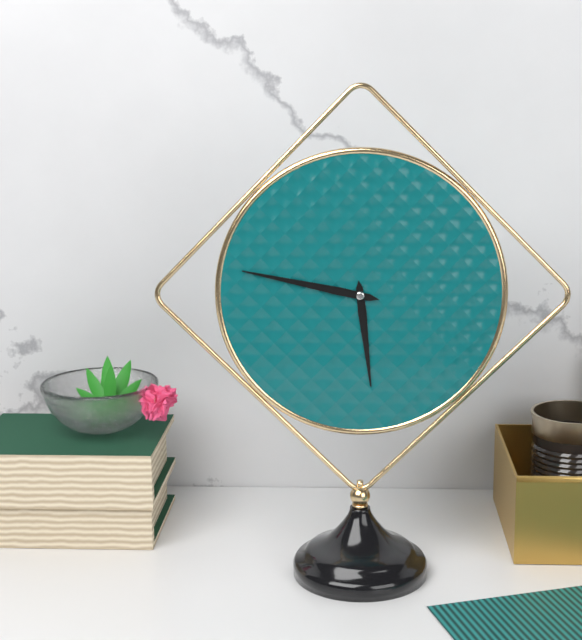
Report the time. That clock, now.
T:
5:47
